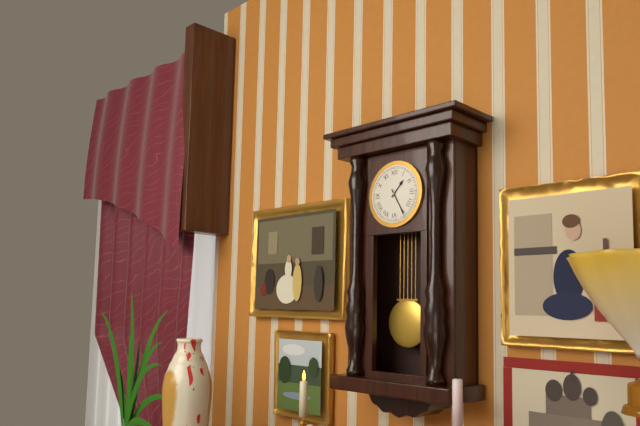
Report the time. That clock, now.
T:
1:25
